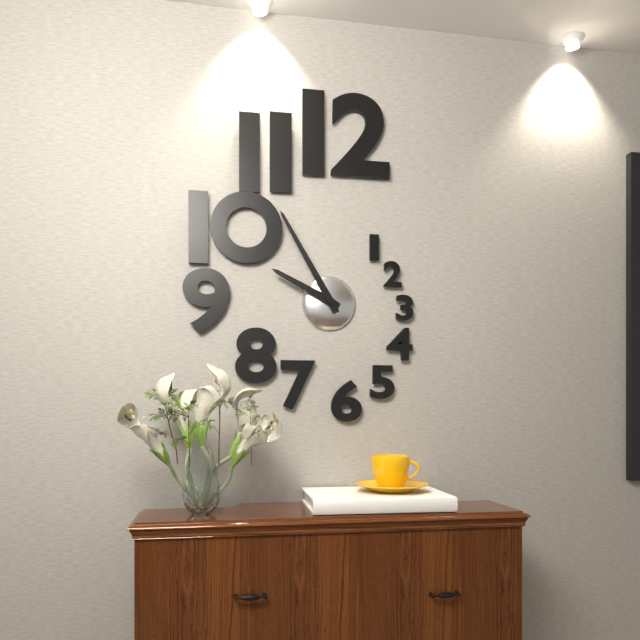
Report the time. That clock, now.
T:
9:55
